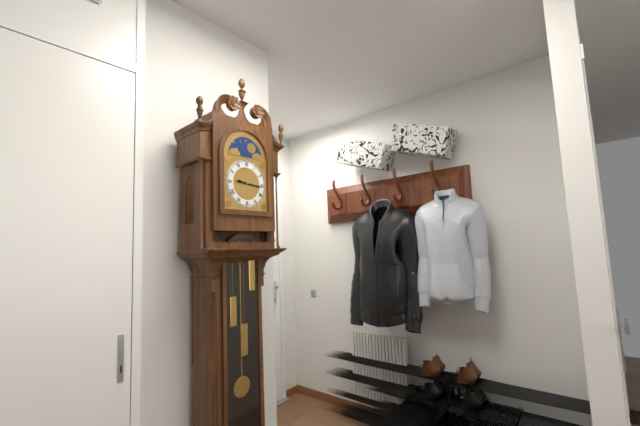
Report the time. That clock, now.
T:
9:16
